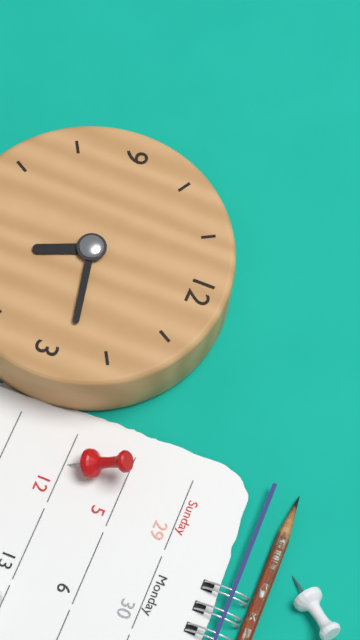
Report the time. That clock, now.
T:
5:13
